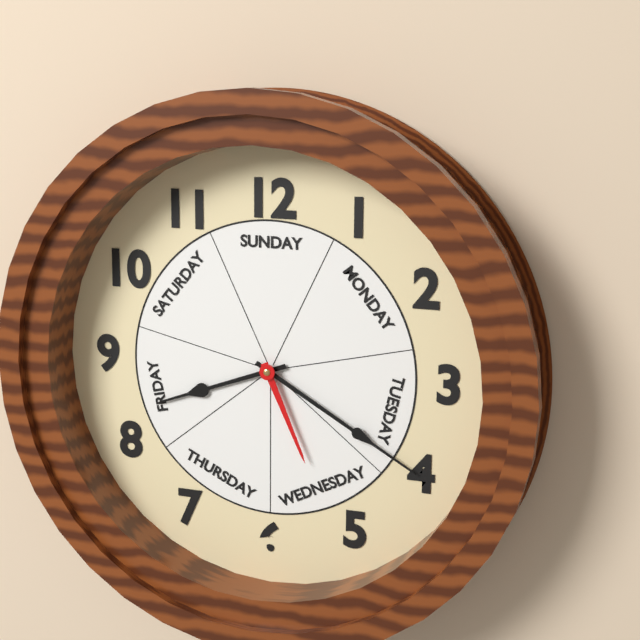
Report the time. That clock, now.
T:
8:20:26
